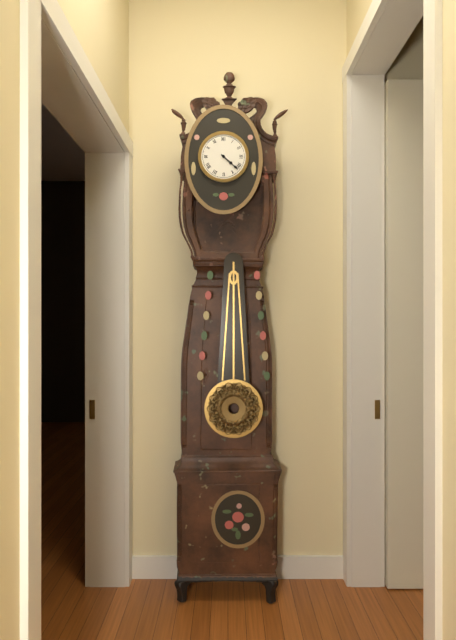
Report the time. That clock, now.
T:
4:22
